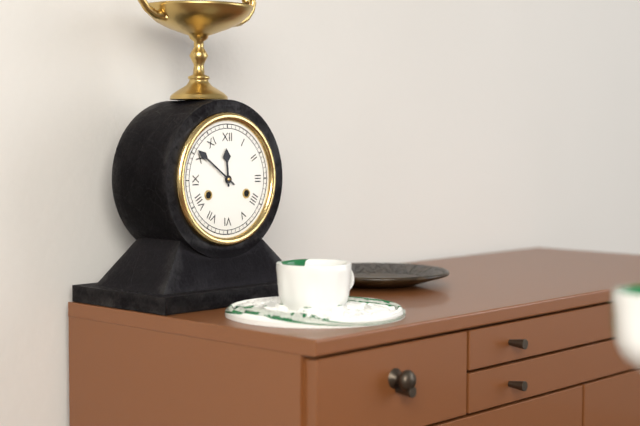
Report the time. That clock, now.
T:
11:51
